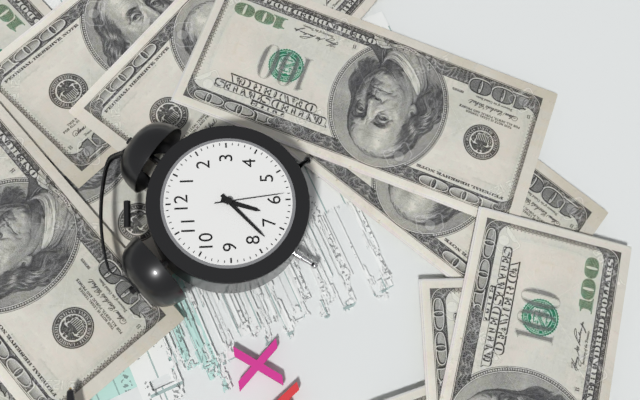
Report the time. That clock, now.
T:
6:38:29
